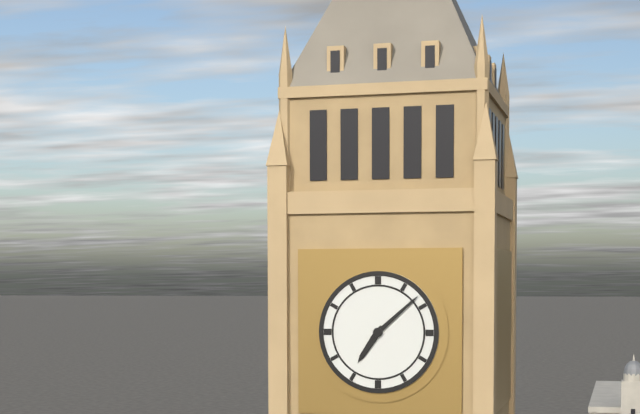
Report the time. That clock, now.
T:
7:08
